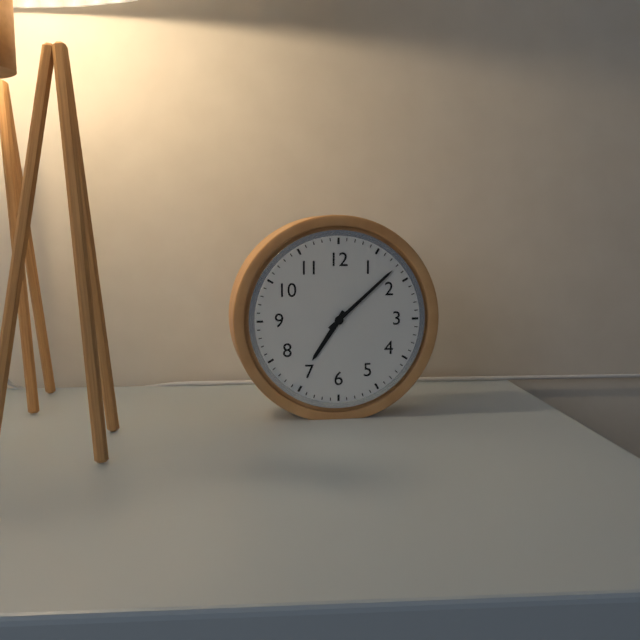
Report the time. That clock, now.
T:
7:08
